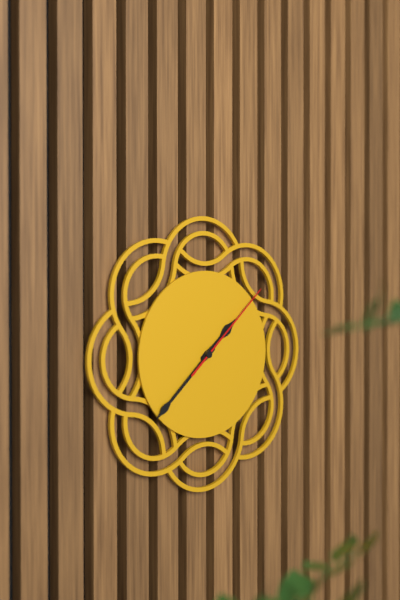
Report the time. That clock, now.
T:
1:38:08
